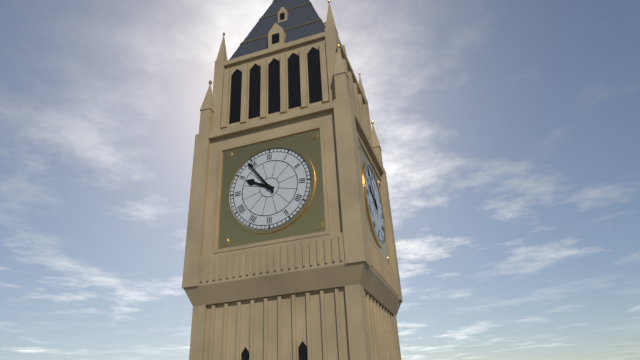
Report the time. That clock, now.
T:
9:54
